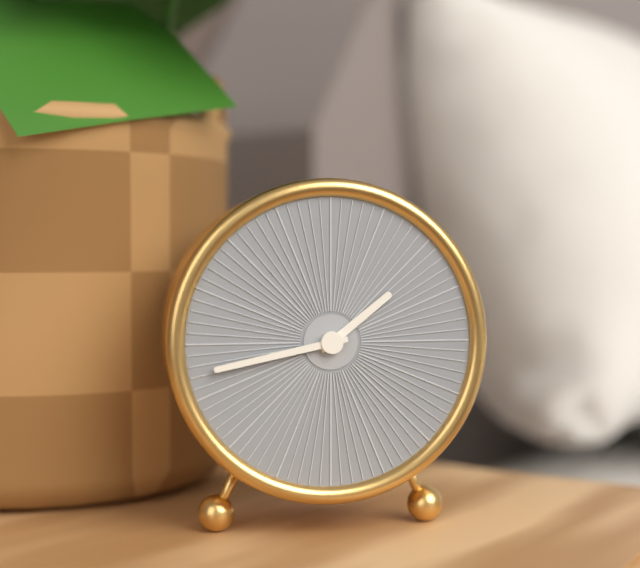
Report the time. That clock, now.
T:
1:43
